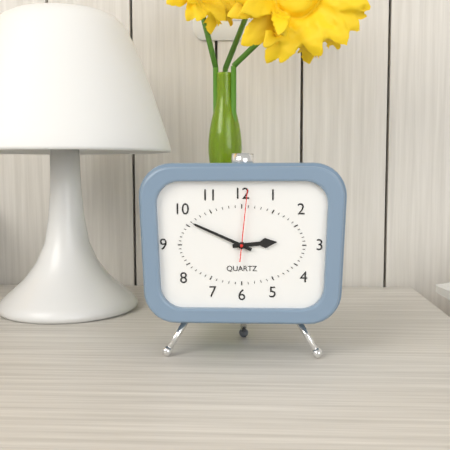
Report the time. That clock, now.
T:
2:49:01
